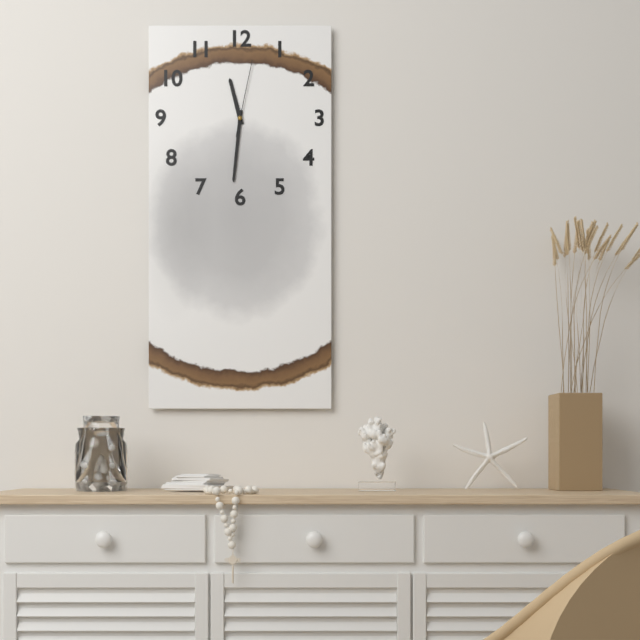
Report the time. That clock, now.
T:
11:31:02
